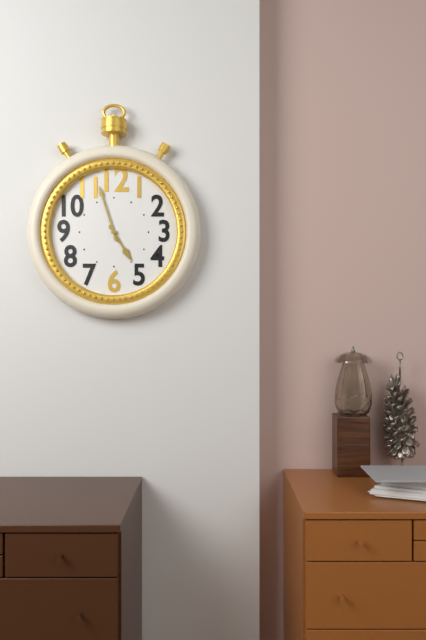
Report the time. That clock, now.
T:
4:57
